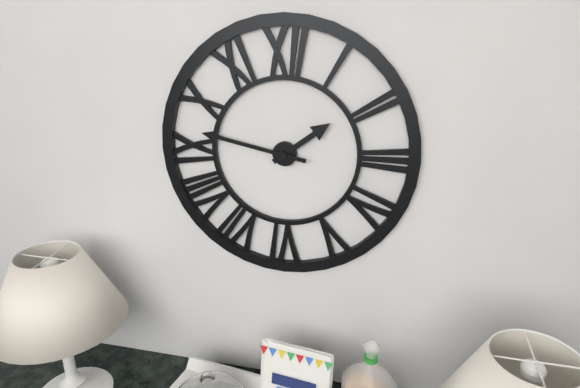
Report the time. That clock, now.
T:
1:47
